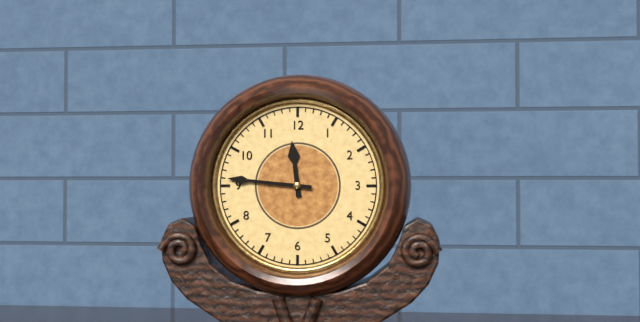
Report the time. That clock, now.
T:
11:46
